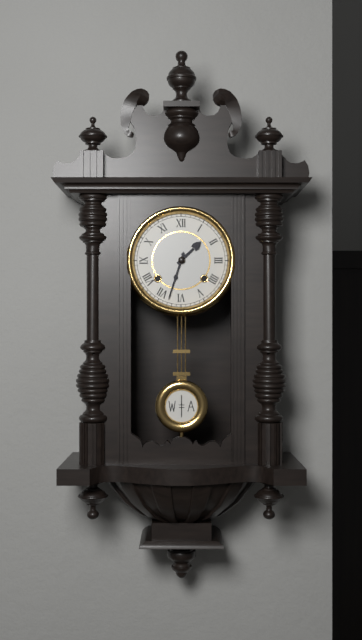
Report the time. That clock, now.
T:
1:33
